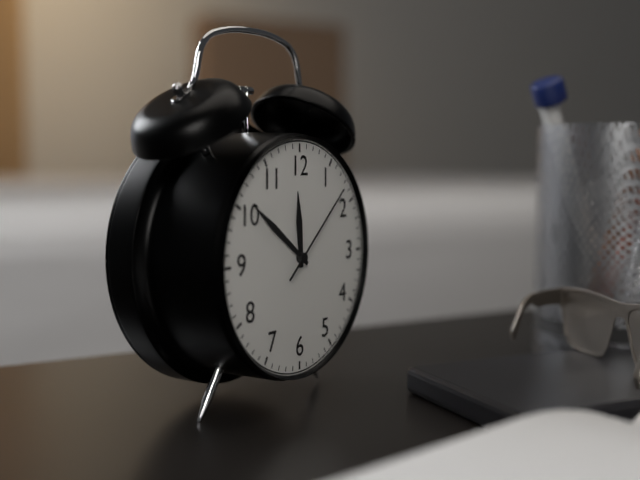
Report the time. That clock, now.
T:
11:51:08
